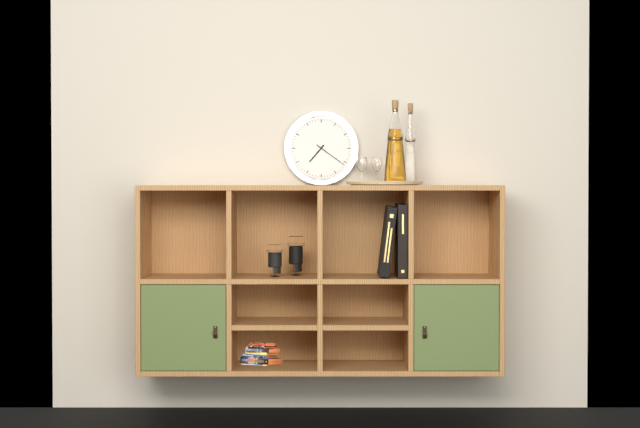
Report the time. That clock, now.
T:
7:21
